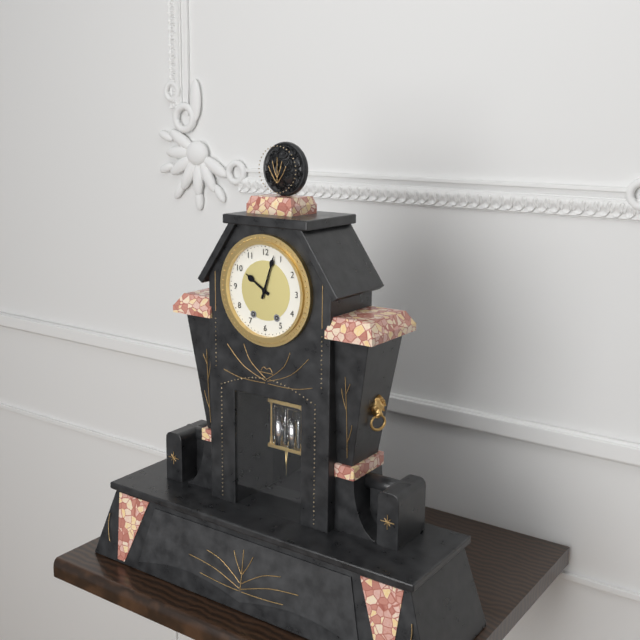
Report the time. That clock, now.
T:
10:03
